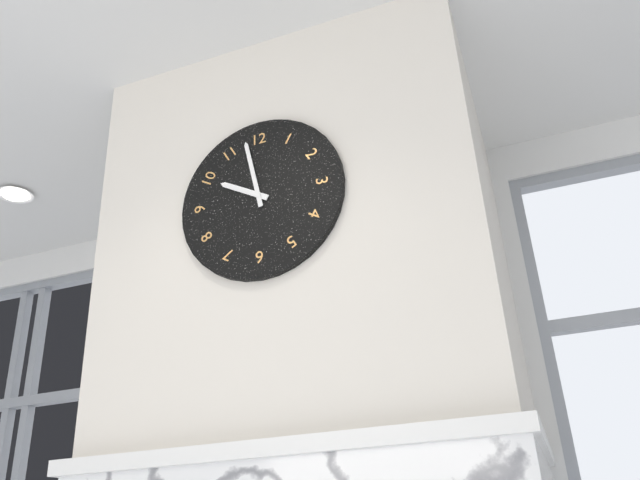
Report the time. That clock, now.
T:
9:58
